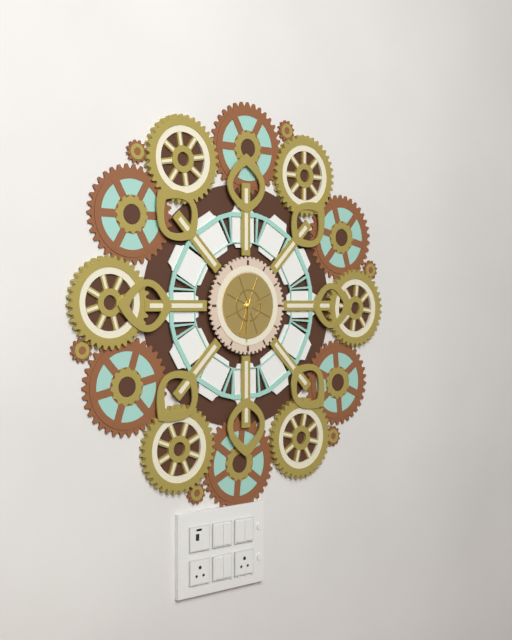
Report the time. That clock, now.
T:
2:31
